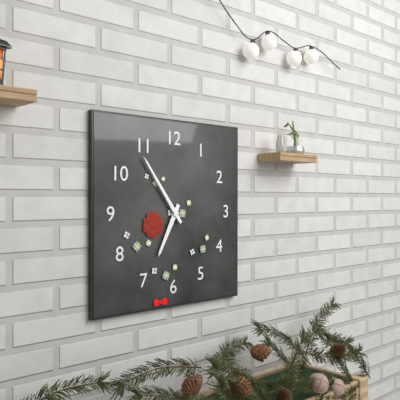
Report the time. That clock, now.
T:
6:54
